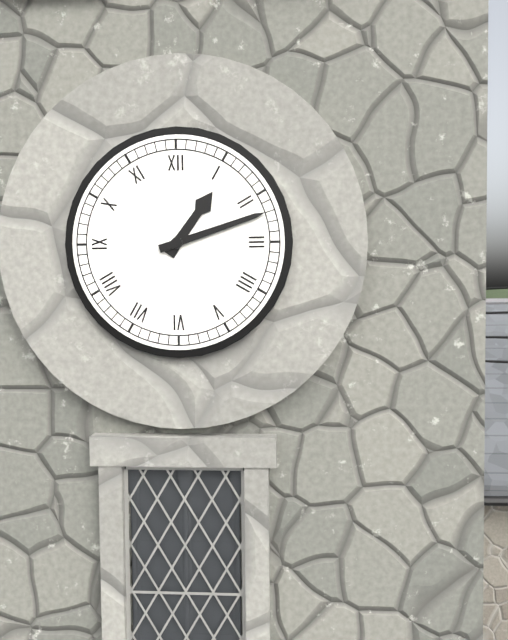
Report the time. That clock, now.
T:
1:12
